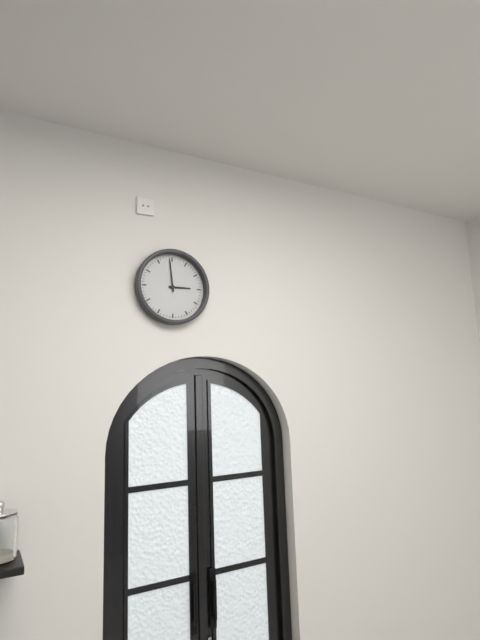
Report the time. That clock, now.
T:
2:59
